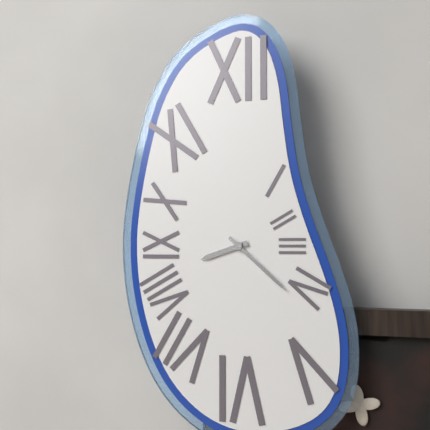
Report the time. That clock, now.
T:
8:22
